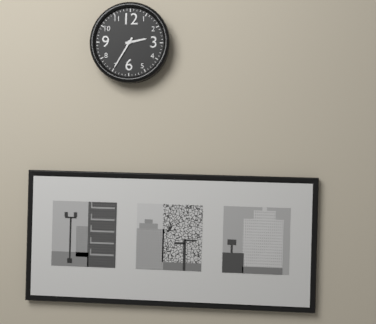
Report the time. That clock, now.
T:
2:35
